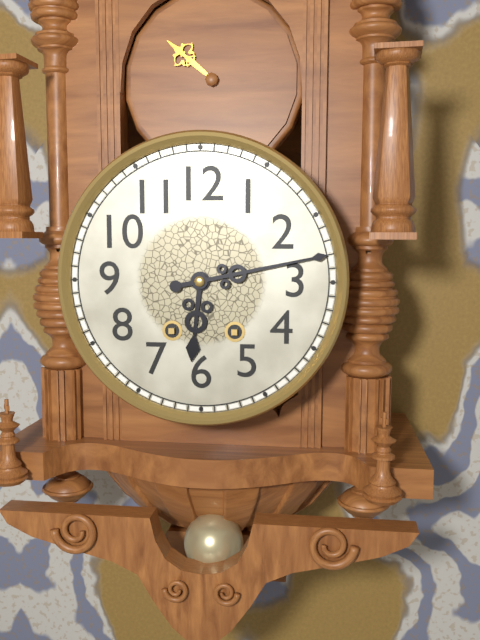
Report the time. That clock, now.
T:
6:13
